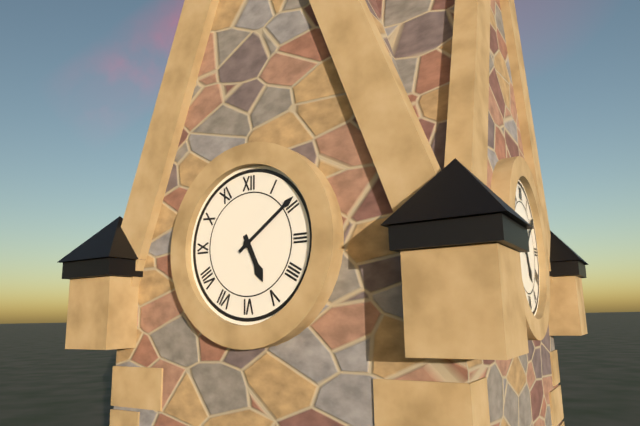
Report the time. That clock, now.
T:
5:09
